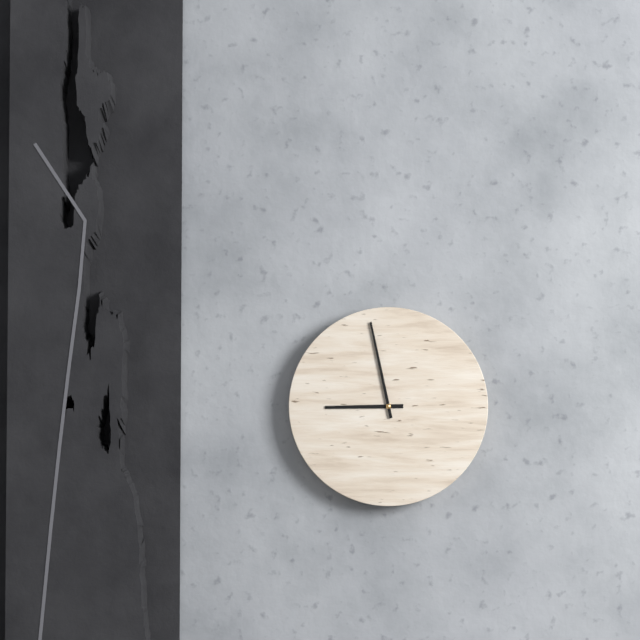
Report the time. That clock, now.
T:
8:58
